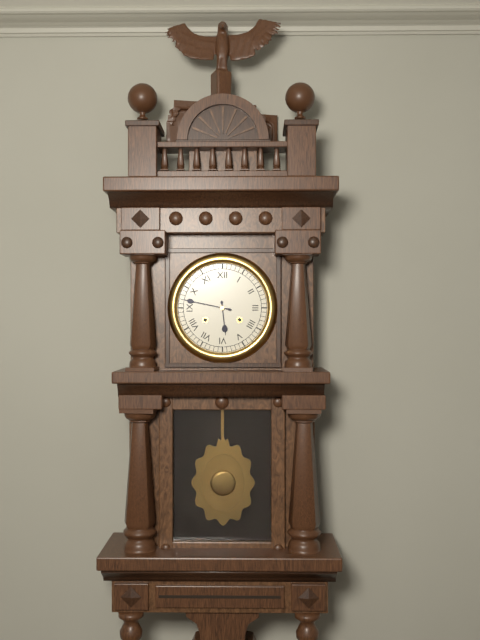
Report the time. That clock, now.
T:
5:47
